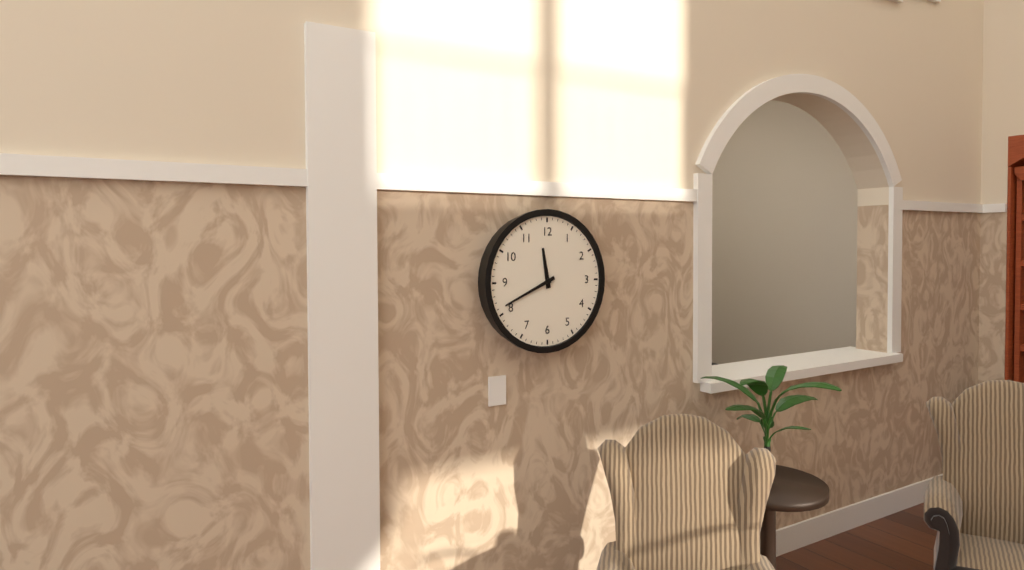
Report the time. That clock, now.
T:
11:41
